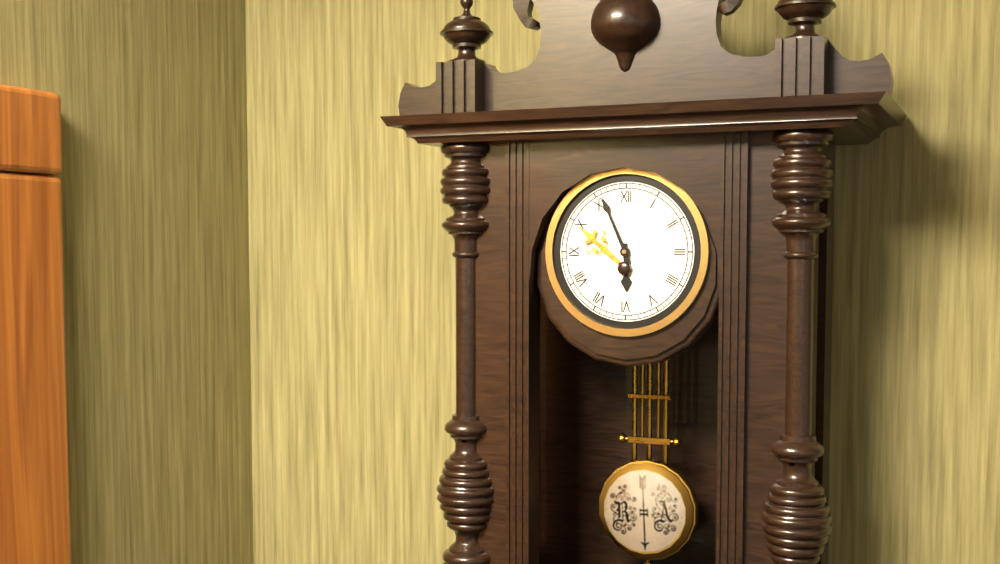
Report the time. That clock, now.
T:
5:56
